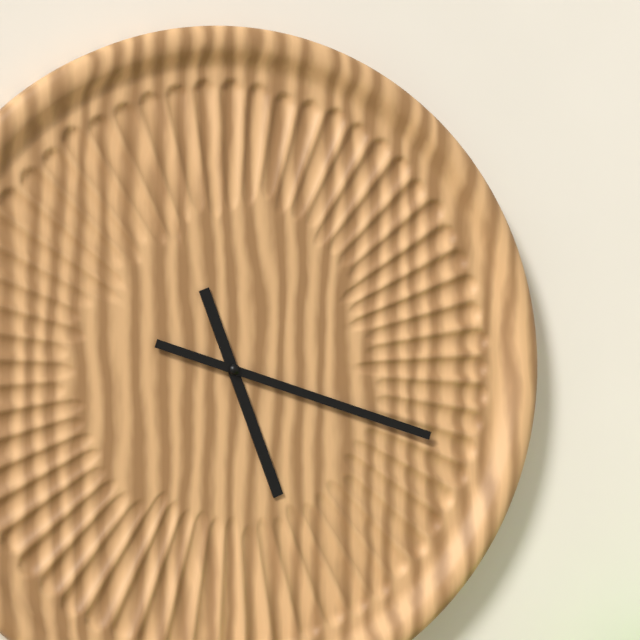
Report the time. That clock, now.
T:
5:18
